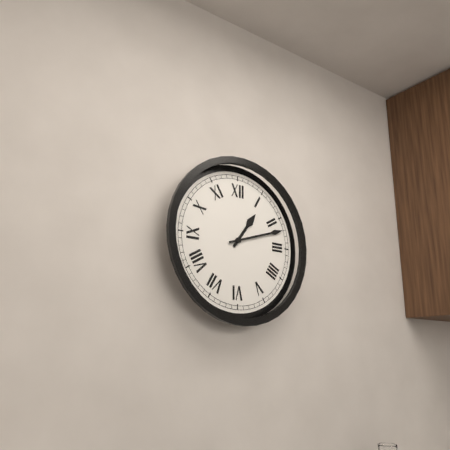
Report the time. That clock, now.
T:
1:12
